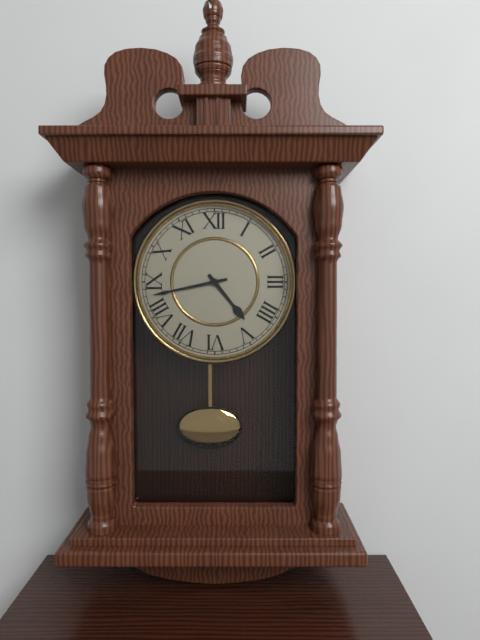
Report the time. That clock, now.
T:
4:43
